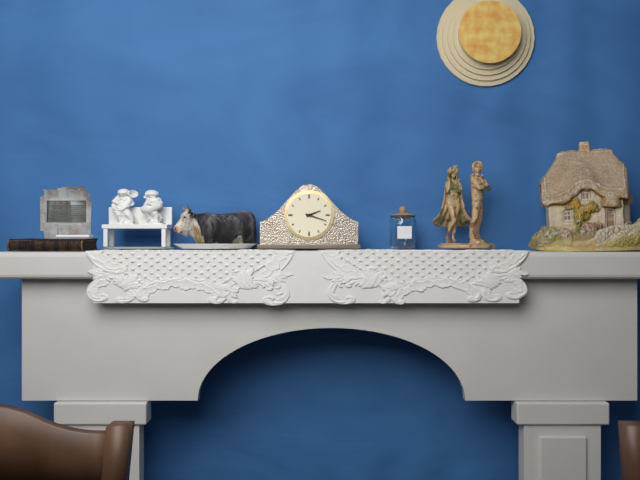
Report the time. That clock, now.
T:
2:18
